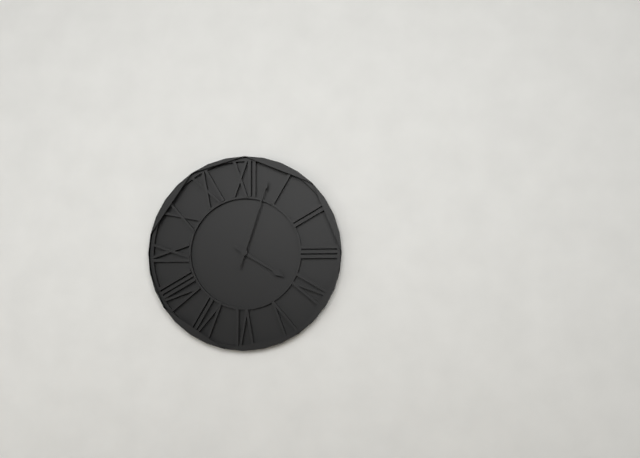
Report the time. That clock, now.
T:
4:03
